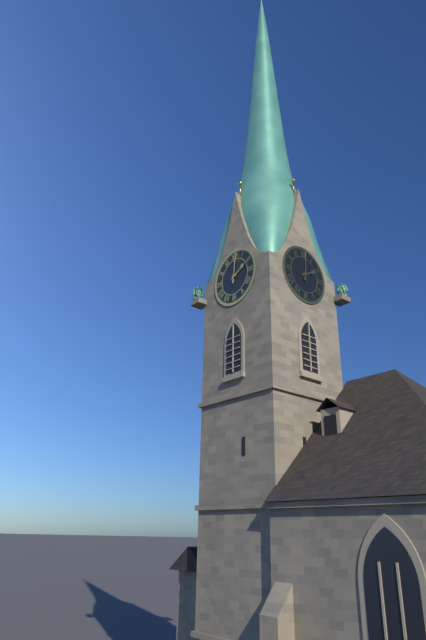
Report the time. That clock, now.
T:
2:01
